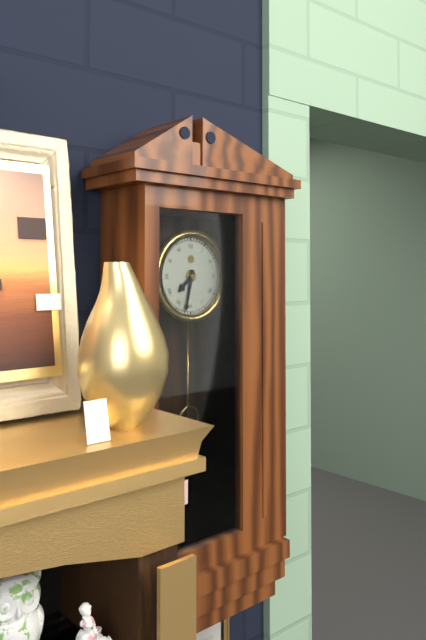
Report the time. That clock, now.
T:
7:32
